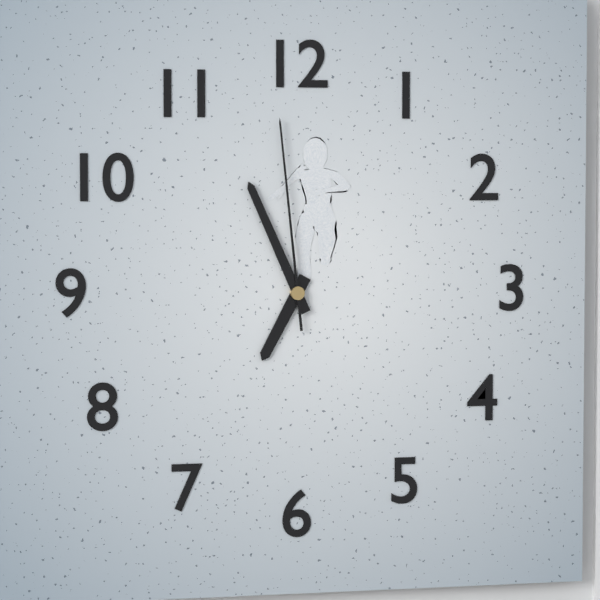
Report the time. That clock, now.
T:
6:56:59
